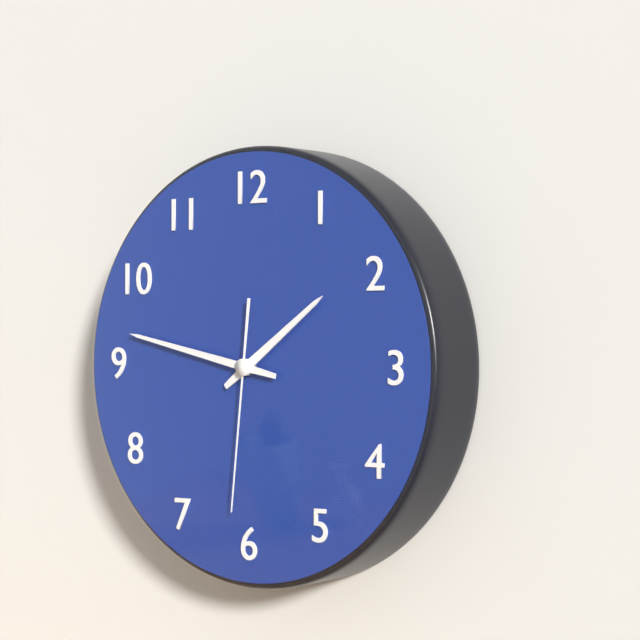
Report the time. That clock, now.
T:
1:47:31
